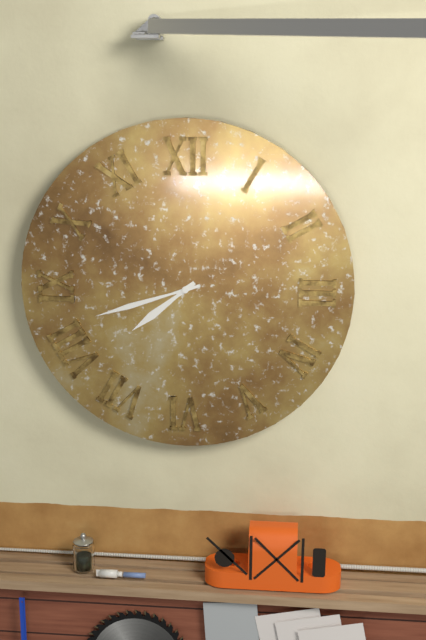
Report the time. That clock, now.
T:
7:42
